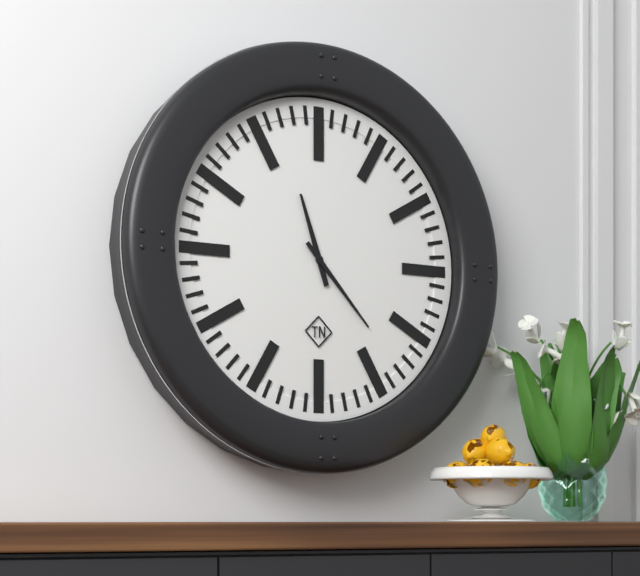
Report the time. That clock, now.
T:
11:23
